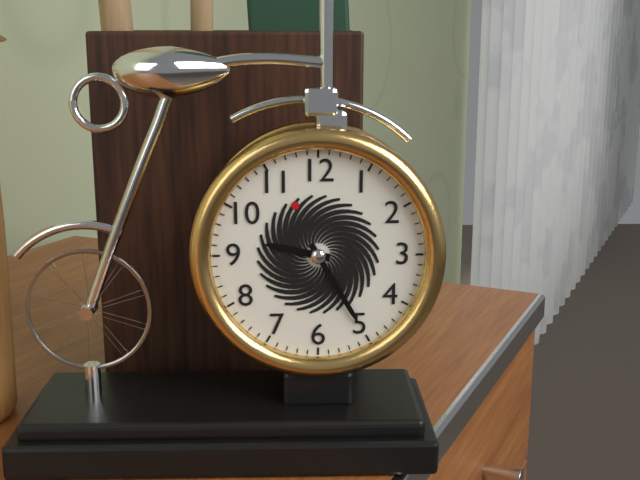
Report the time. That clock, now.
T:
9:25
